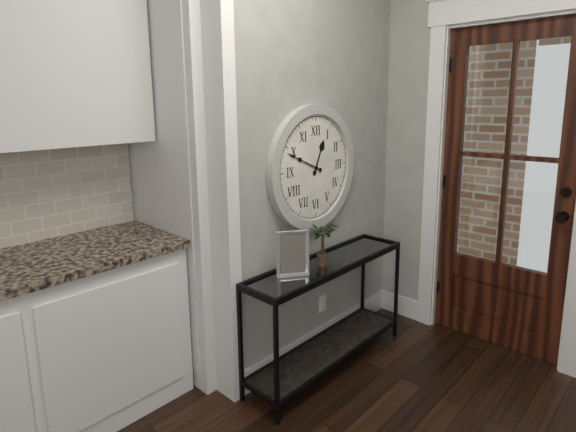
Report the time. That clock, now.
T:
12:49
